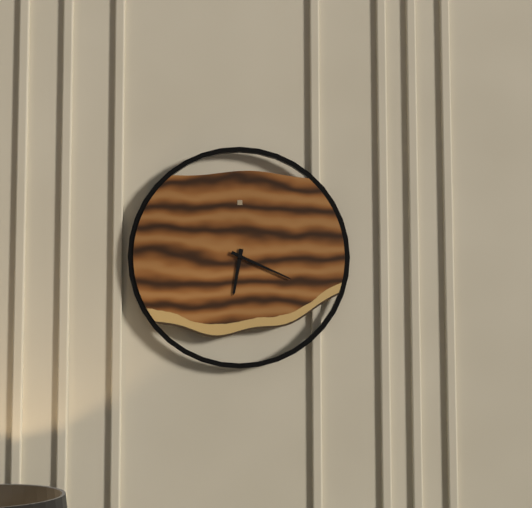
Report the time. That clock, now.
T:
6:19
